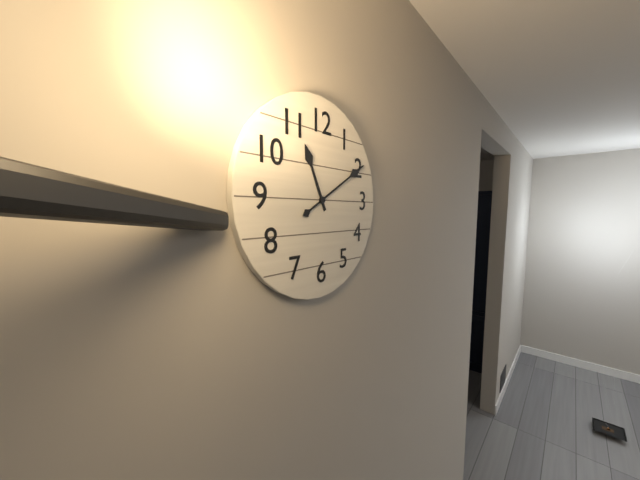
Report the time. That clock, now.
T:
11:10
